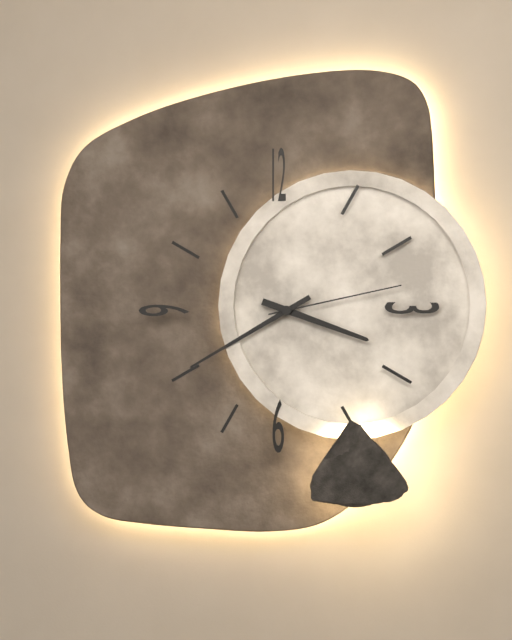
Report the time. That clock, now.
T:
3:40:13
